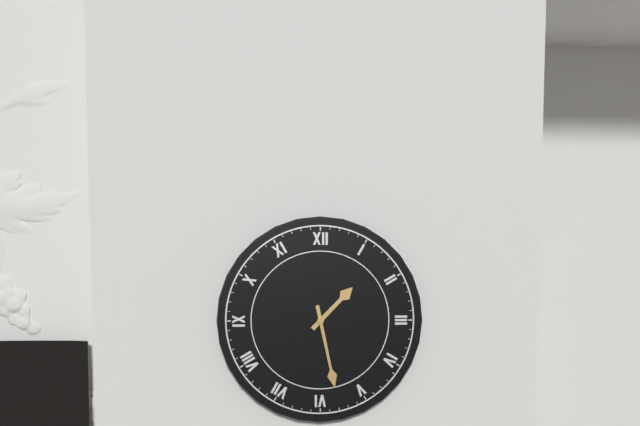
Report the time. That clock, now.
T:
1:28
